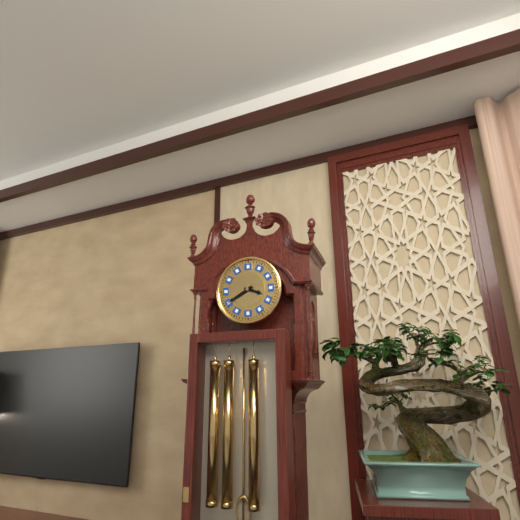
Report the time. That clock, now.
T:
3:40
